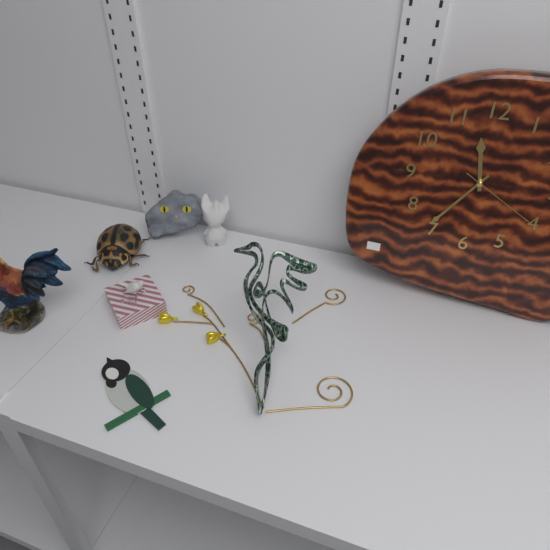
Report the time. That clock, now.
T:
11:36:20
